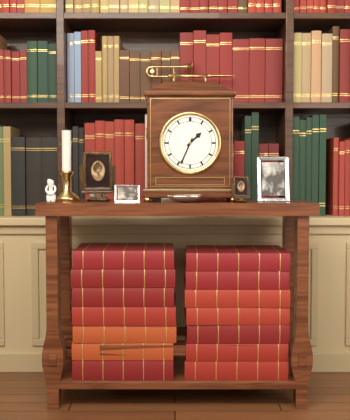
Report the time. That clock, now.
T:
1:34
